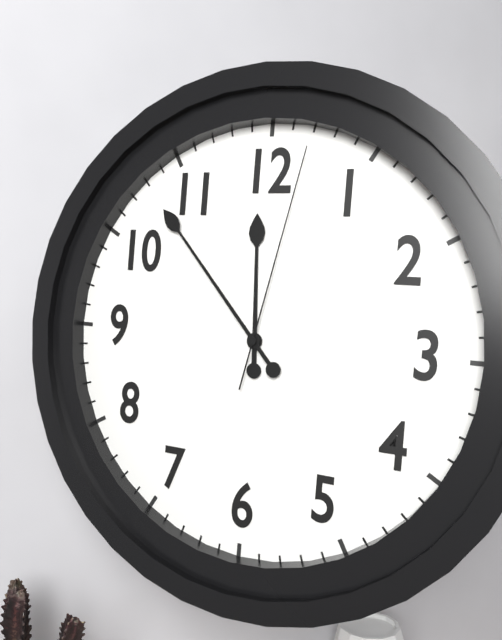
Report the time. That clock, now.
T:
11:53:02
